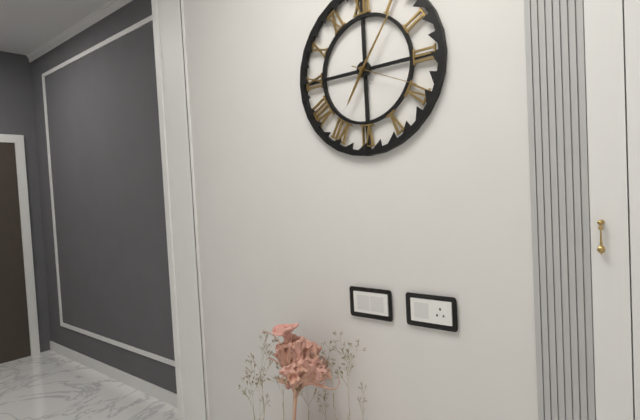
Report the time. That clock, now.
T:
7:06:19
